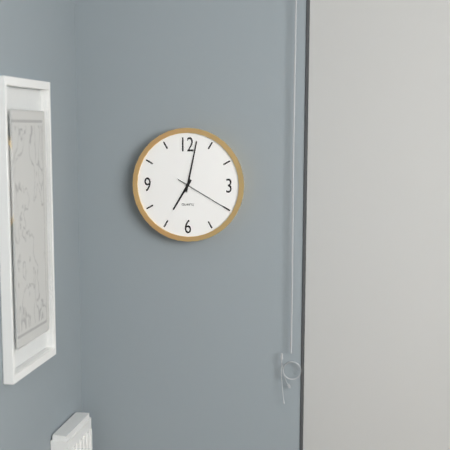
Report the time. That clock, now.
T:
7:02:20
